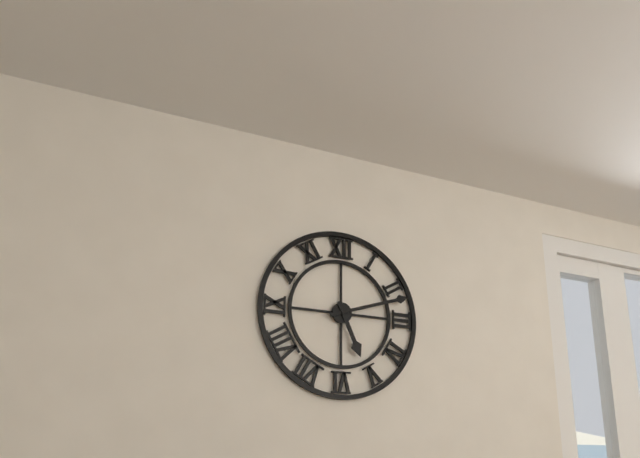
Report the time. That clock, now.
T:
5:12
